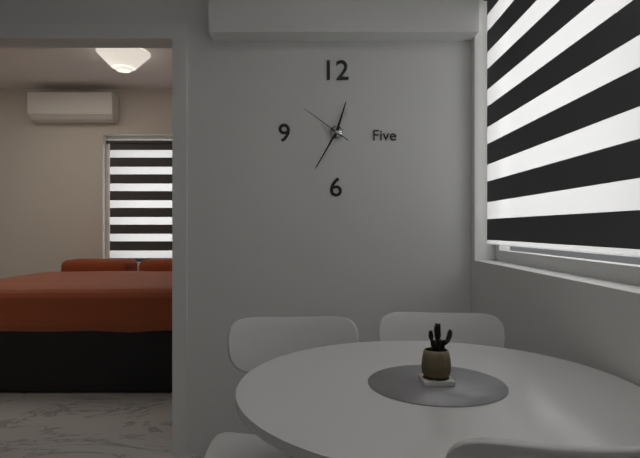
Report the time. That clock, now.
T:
12:35:51
